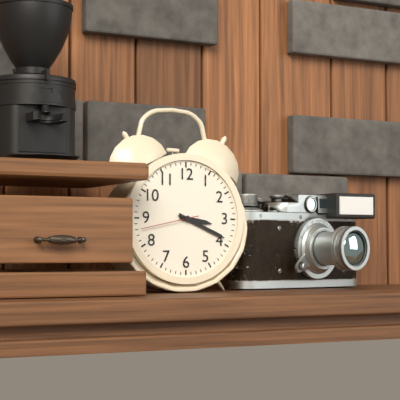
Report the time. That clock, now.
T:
3:19:43
